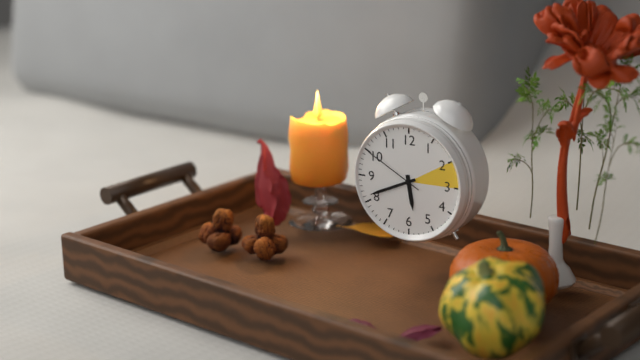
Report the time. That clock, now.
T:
5:41:50
